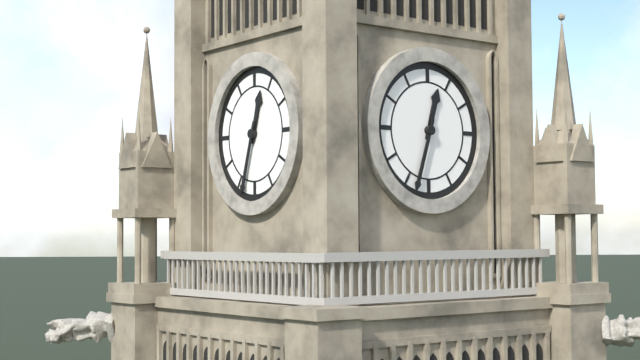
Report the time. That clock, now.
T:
12:33
